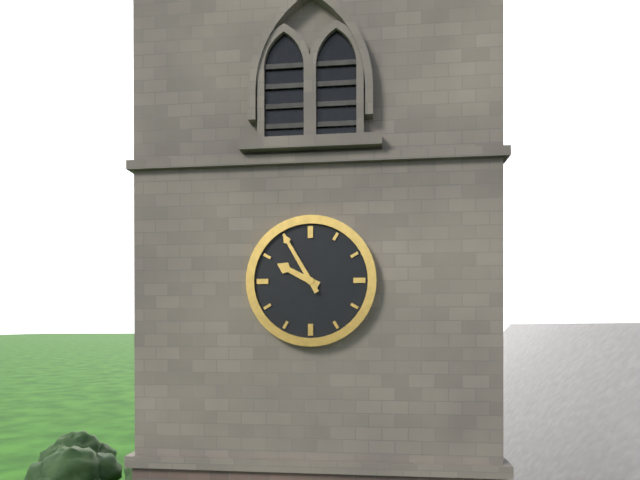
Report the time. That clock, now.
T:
9:55
